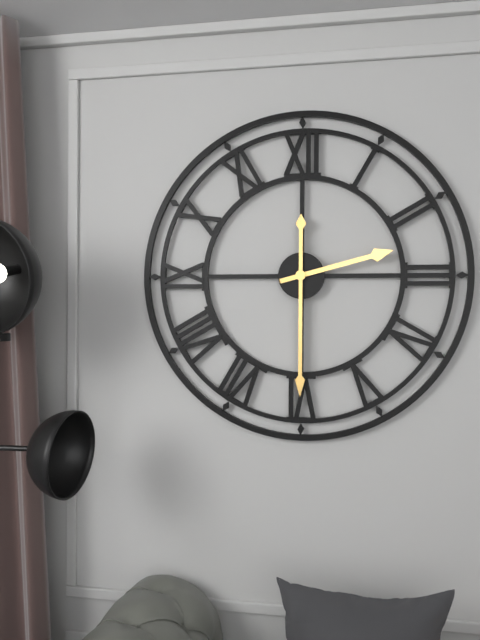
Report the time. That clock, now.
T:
2:30
